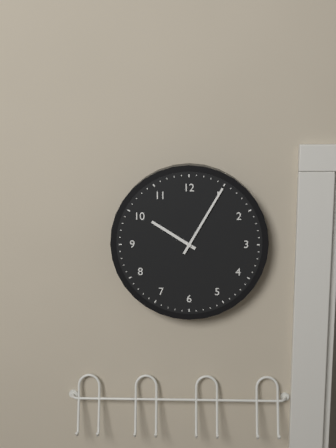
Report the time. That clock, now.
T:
10:05
